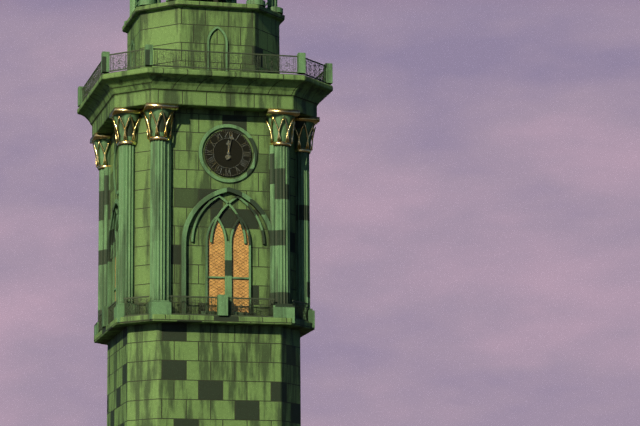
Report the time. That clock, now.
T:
12:02
